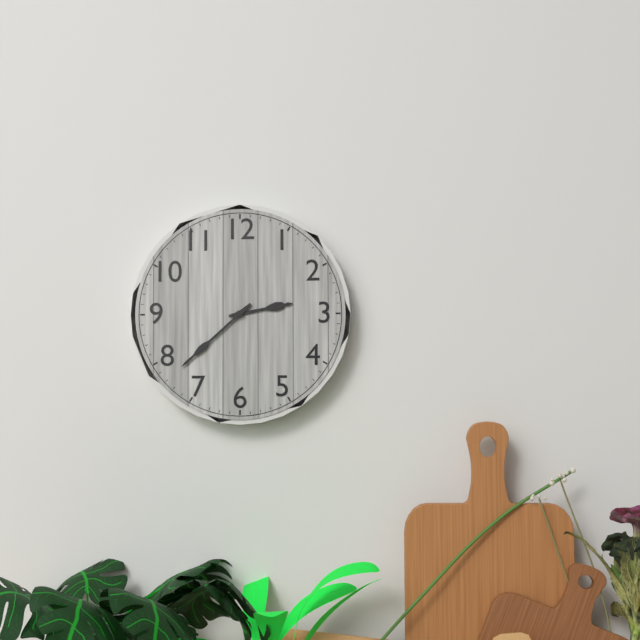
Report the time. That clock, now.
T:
2:38
